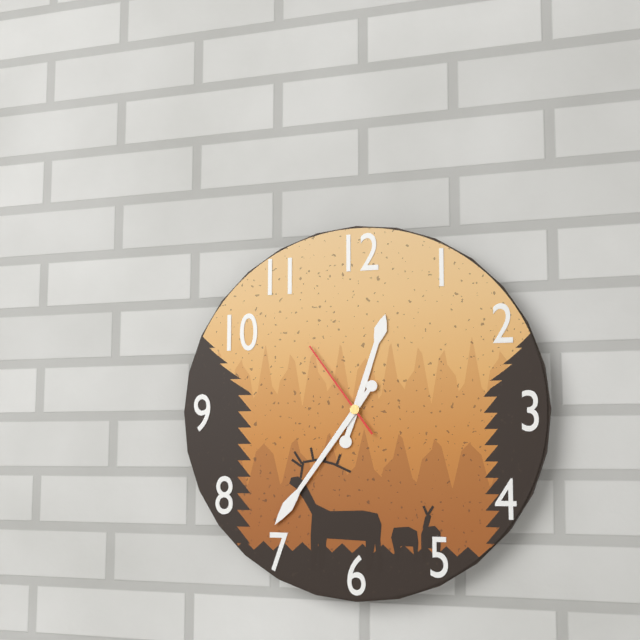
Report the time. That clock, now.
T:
12:36:54
